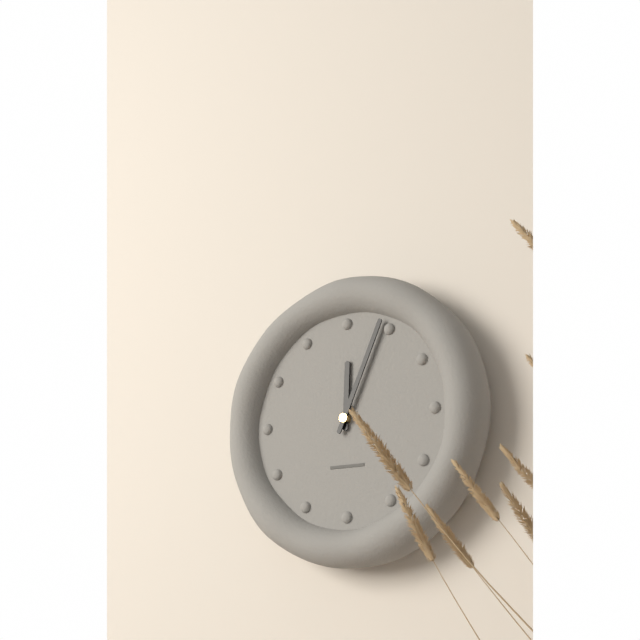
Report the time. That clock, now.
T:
12:04
